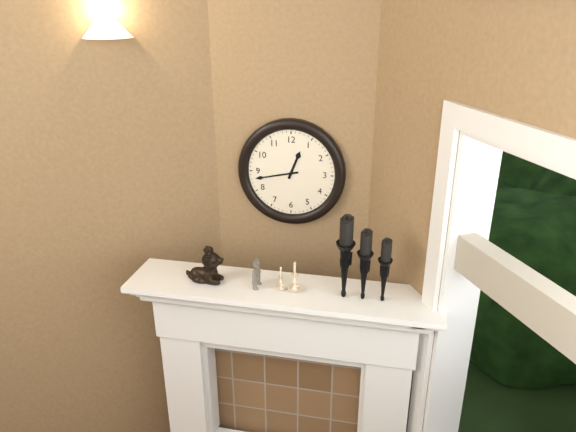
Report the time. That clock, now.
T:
12:43
